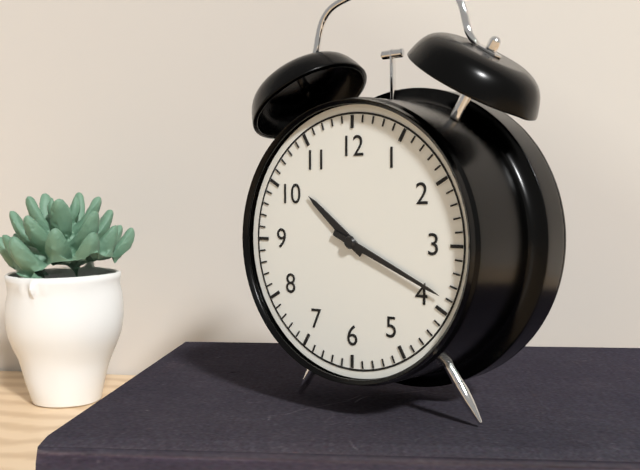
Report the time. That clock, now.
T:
10:19
